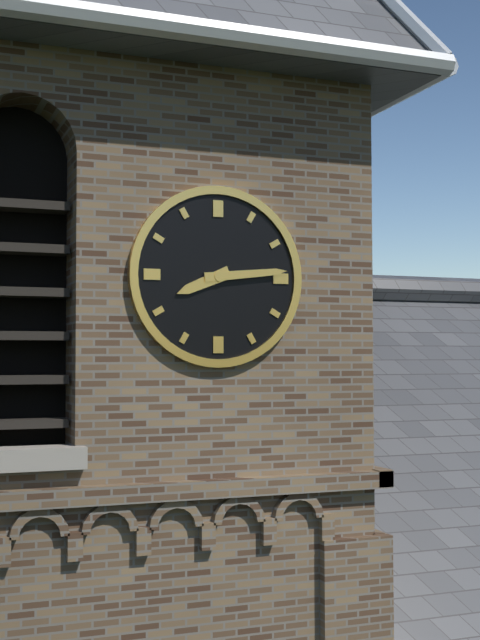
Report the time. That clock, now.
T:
8:14
